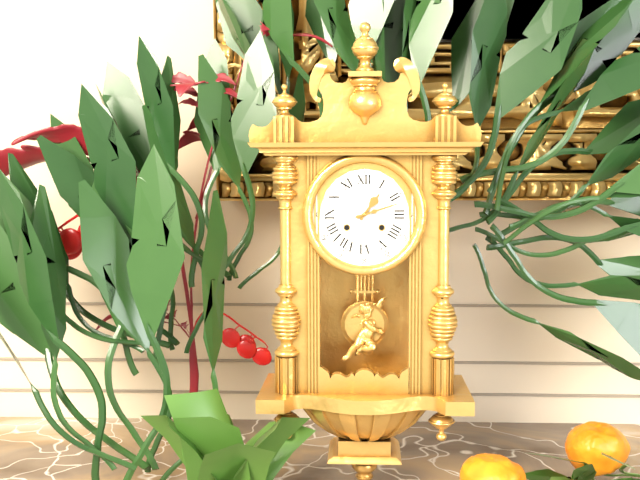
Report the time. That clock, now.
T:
1:12
